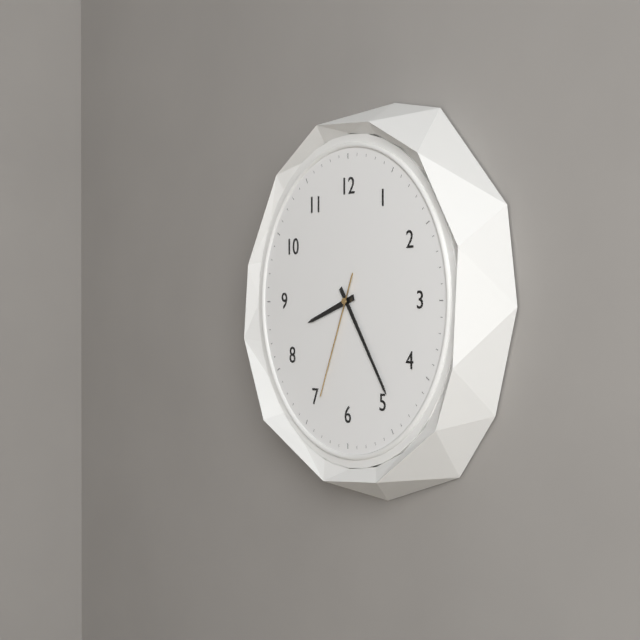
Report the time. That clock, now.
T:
8:24:34
